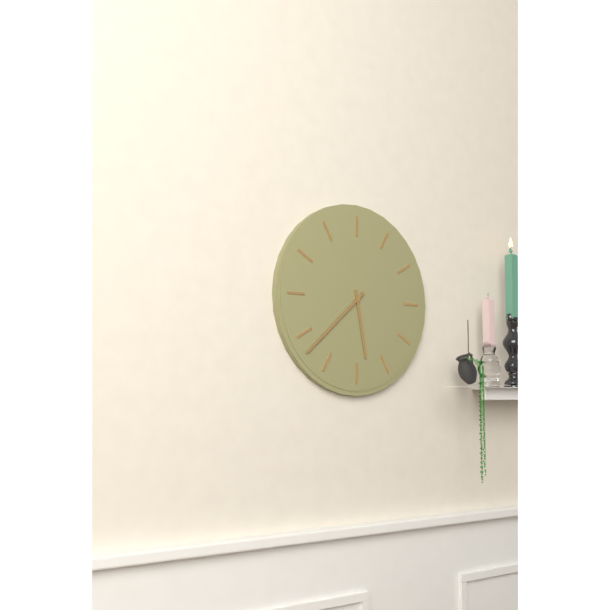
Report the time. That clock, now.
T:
5:38
